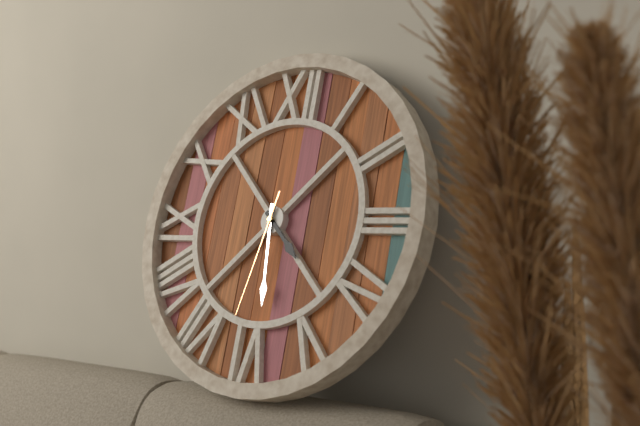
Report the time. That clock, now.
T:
4:29:32
